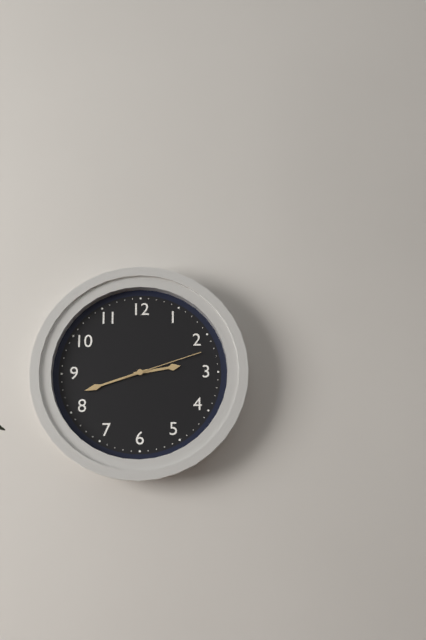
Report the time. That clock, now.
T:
2:42:12
